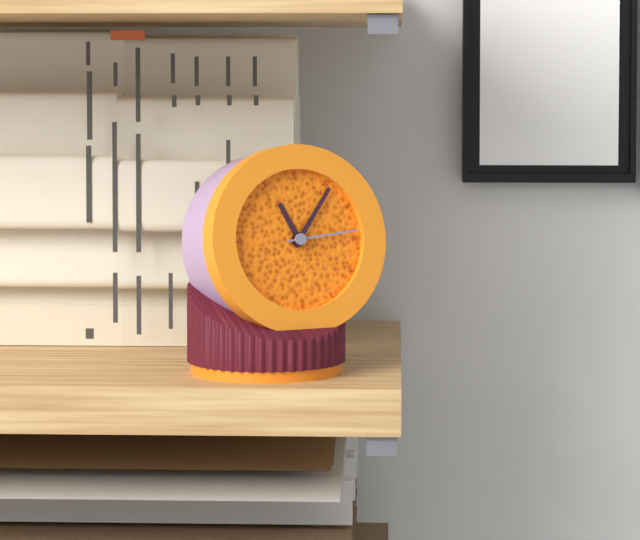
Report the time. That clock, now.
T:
11:06:14
